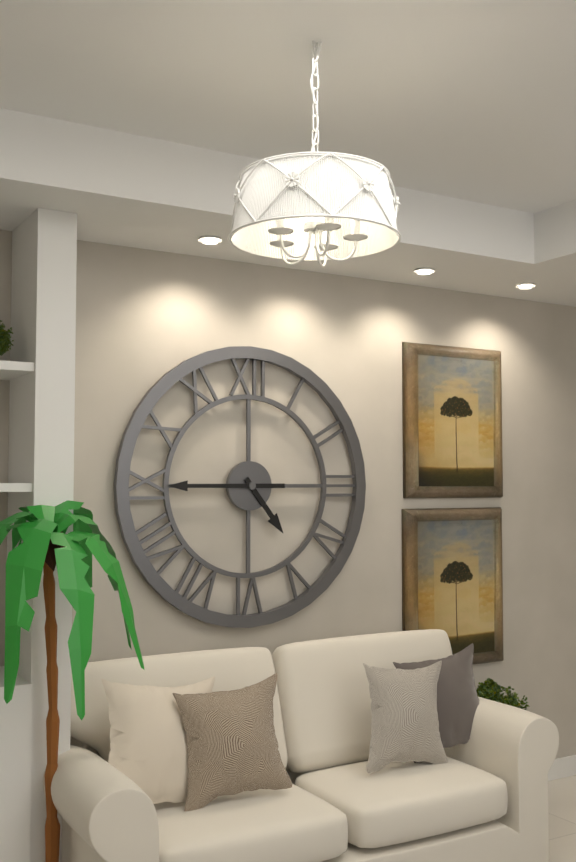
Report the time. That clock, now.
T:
4:45
